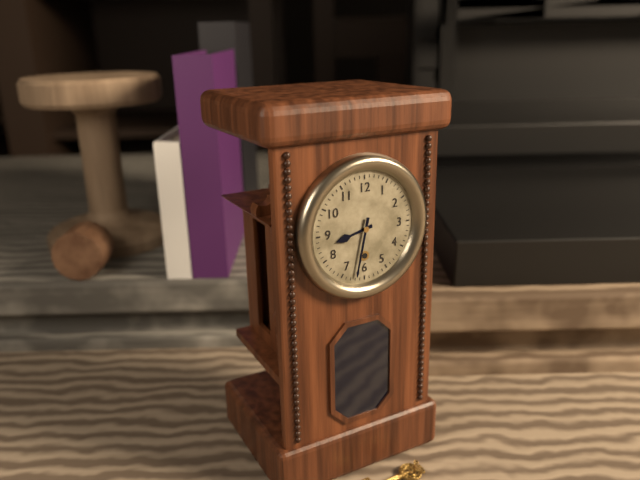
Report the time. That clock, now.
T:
8:32
